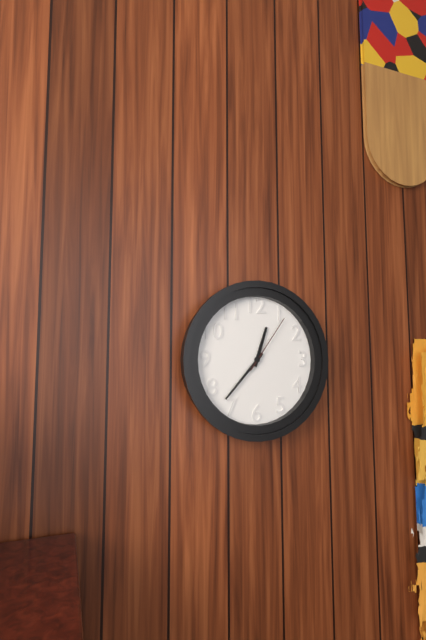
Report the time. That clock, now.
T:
12:37:06
